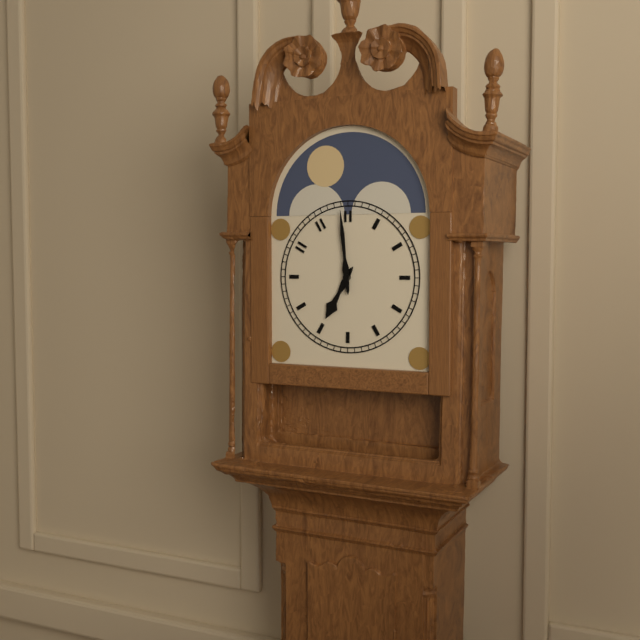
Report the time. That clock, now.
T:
6:59
